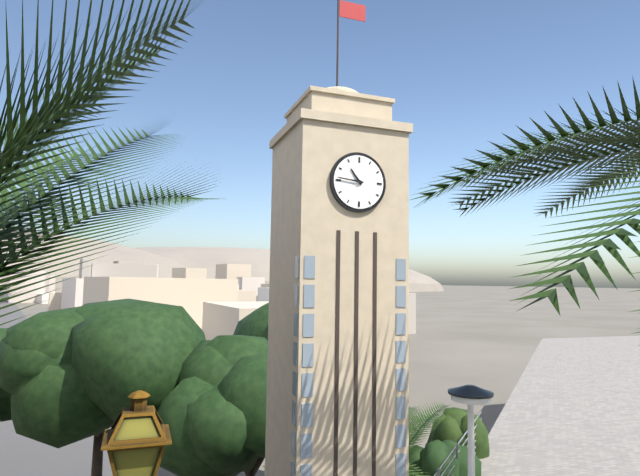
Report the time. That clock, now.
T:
10:46
